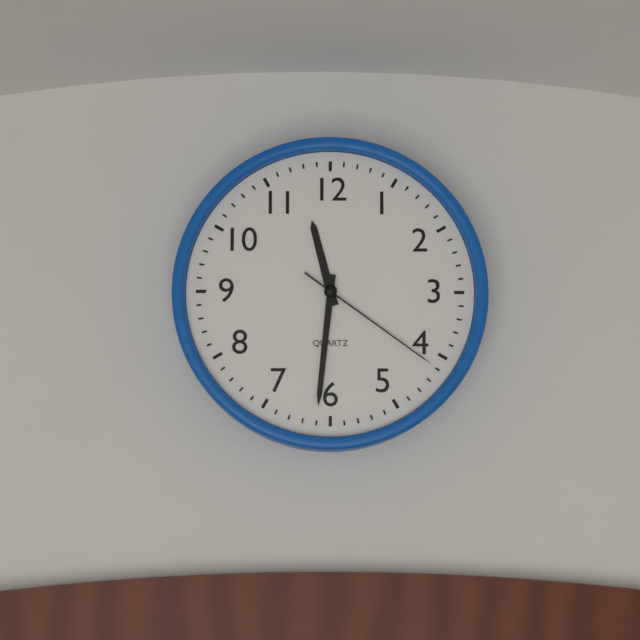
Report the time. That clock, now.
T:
11:31:21
